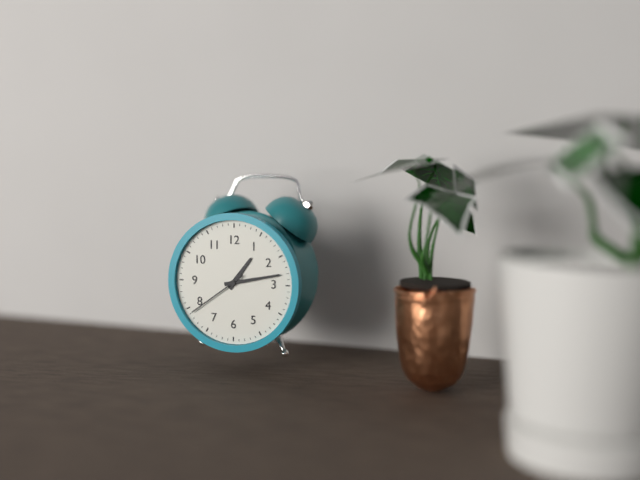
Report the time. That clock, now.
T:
1:13:39
